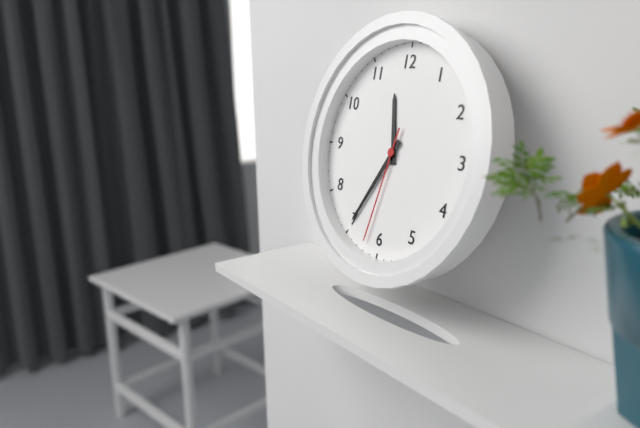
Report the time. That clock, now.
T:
11:35:32
